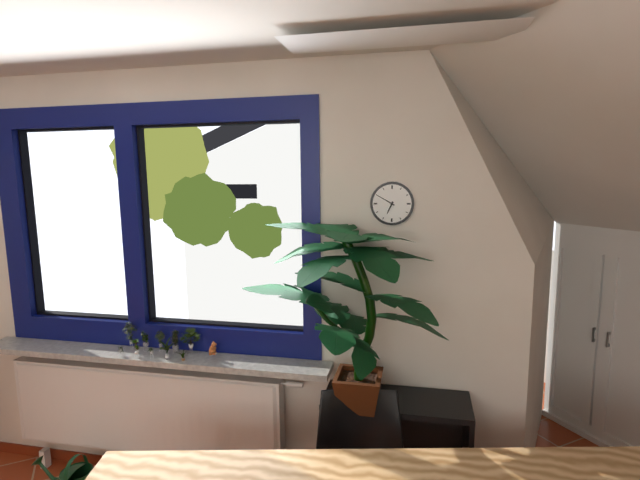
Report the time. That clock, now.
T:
6:50
